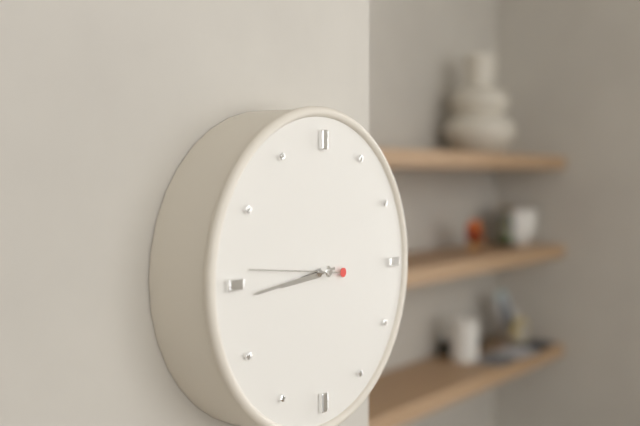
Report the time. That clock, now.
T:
8:44:46
